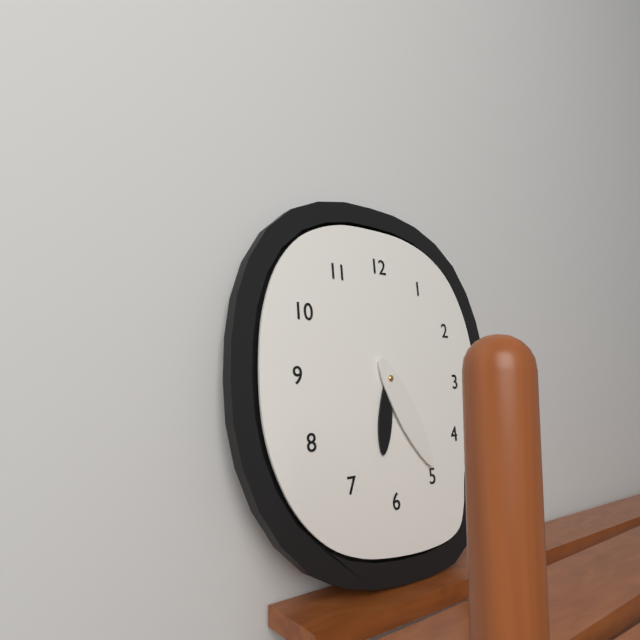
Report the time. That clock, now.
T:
6:25
